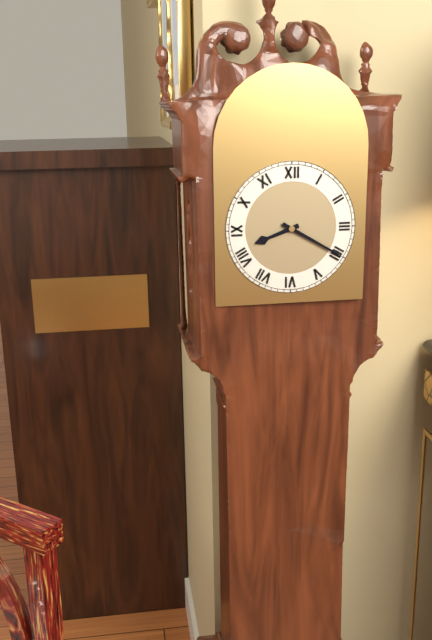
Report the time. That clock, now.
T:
8:20
